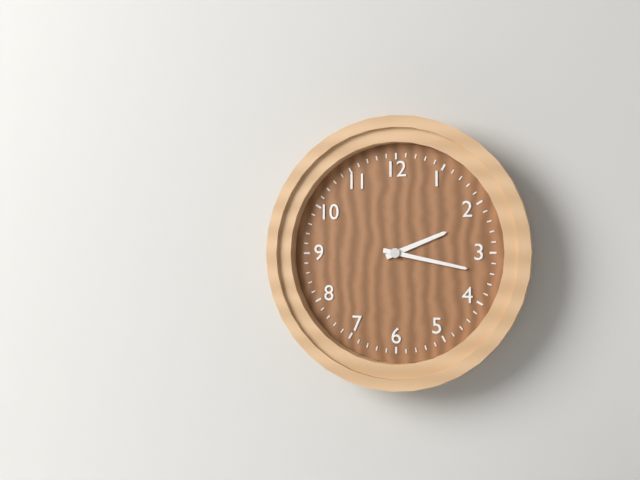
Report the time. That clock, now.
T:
2:17
